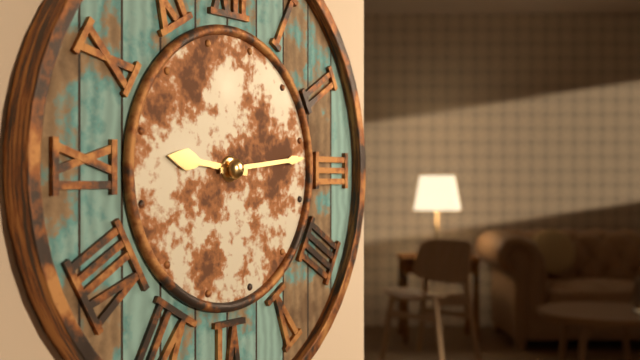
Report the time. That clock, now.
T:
9:14
